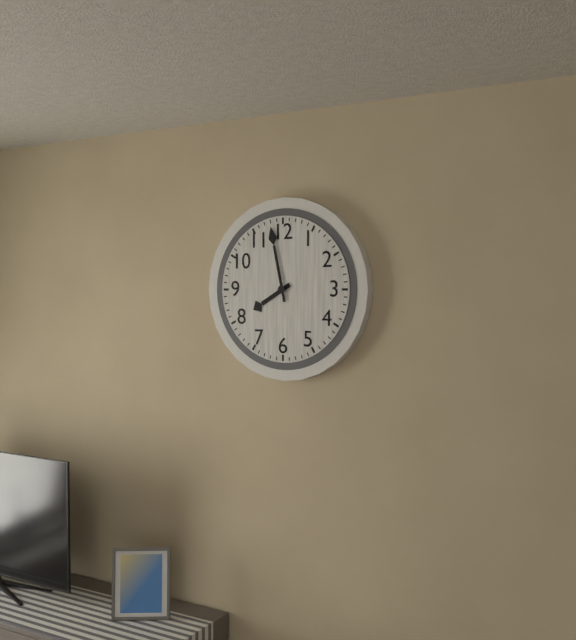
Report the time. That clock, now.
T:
7:58
